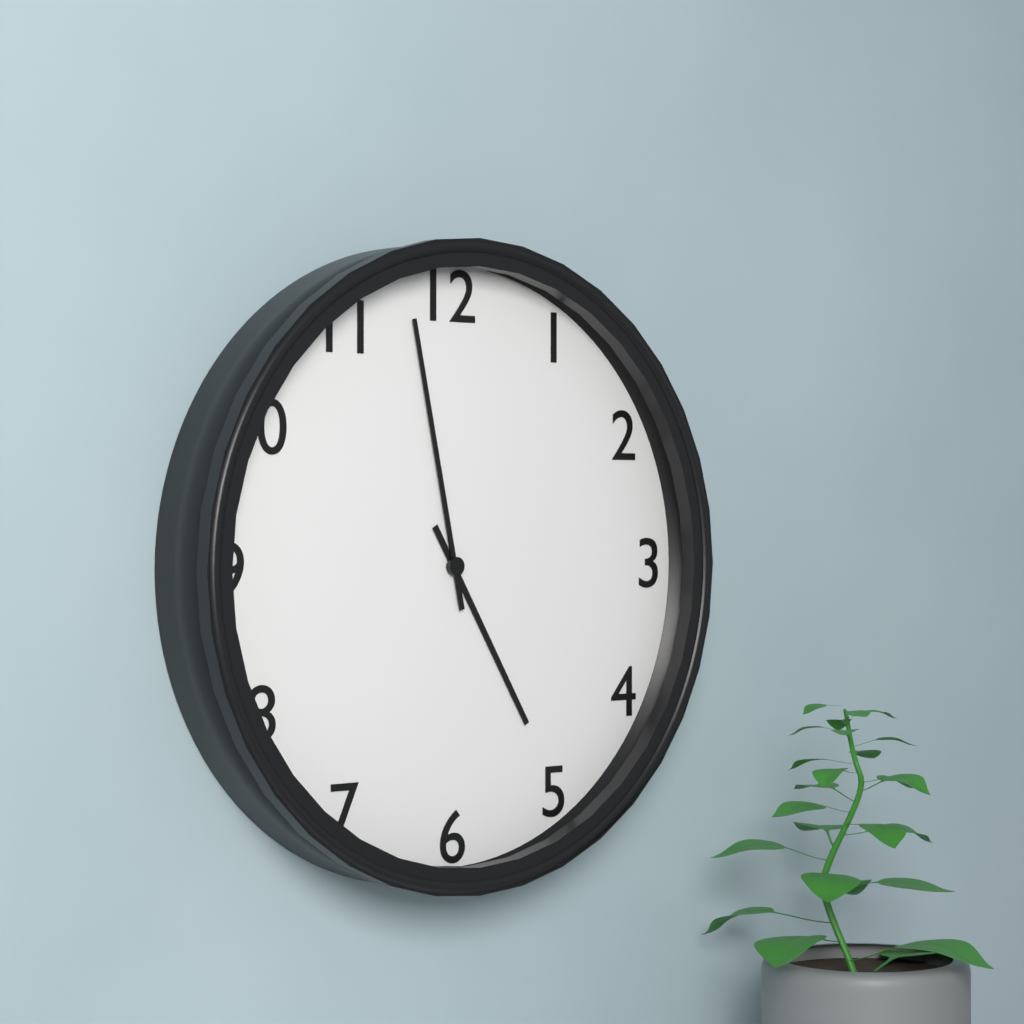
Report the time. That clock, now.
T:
4:58
